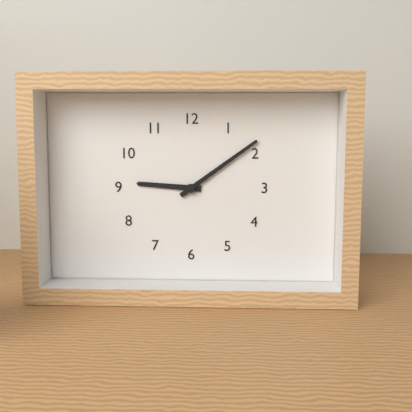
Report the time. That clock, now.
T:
9:09
